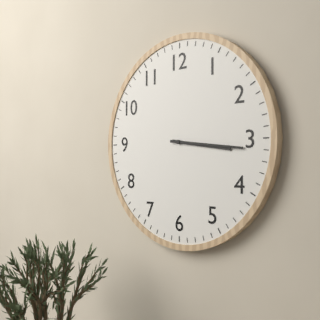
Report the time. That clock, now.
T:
3:16
